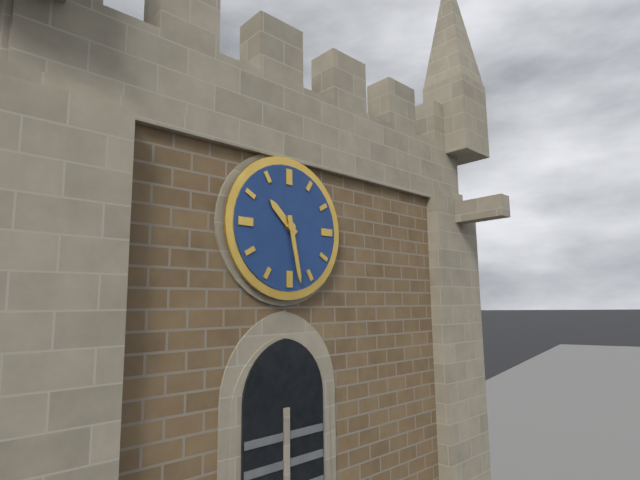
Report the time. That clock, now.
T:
10:28
